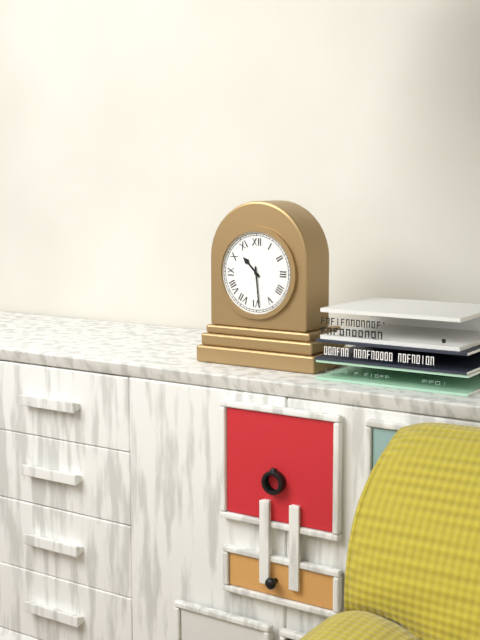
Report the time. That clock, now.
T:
10:29
